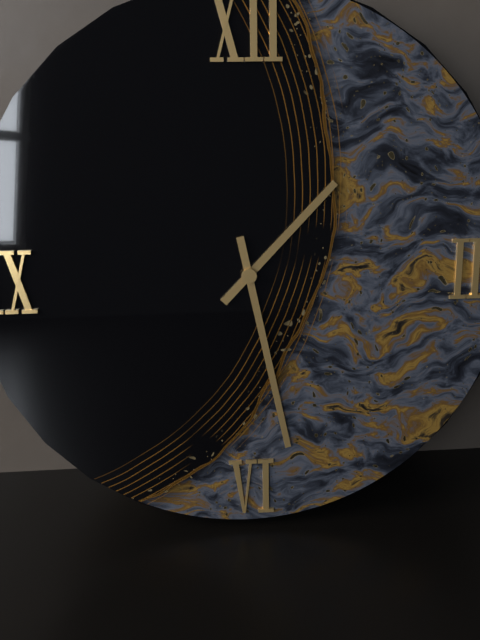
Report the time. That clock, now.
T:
1:28
